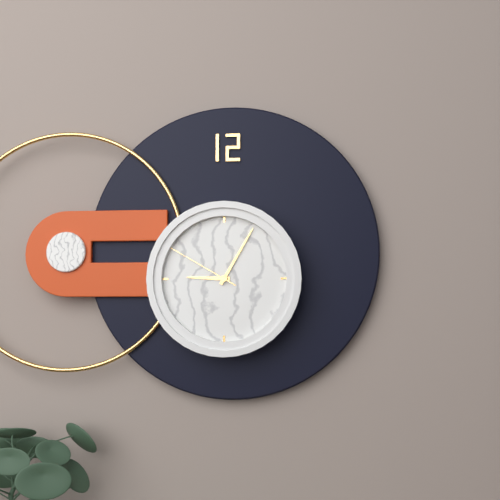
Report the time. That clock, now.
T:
9:05:50
